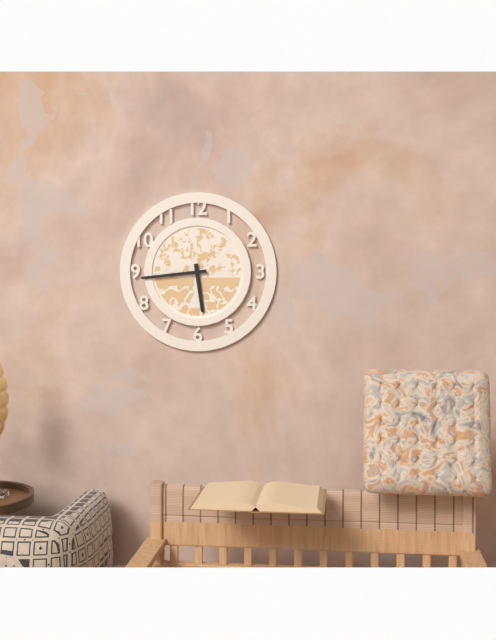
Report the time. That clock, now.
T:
5:44
